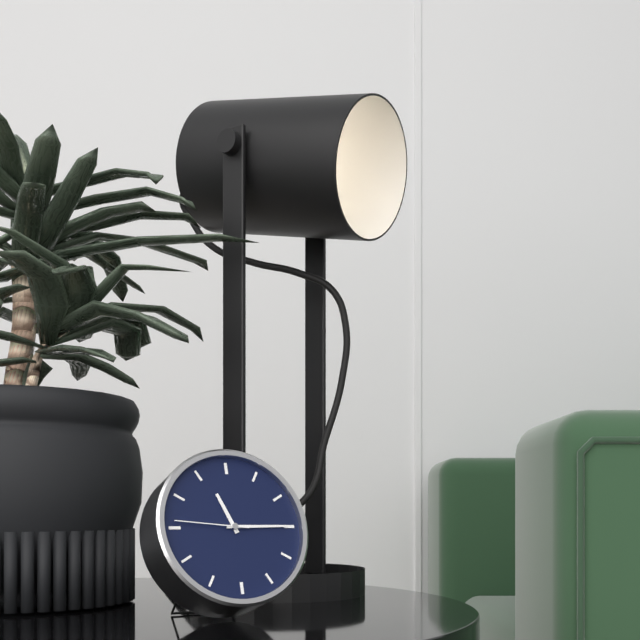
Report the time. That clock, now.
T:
11:15:46
